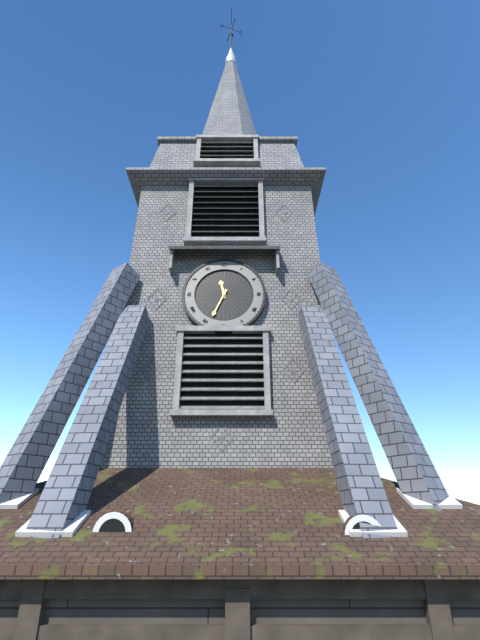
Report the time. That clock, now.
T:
11:34
